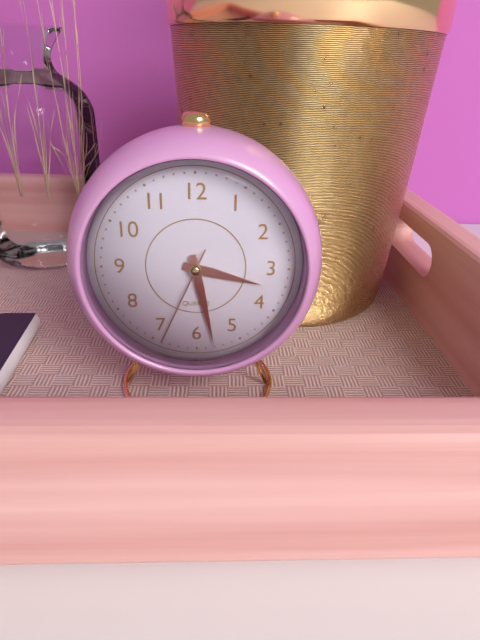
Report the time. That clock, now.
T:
3:28:34
